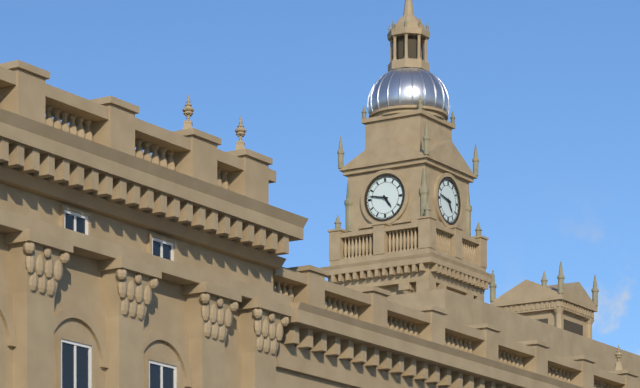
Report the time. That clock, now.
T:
4:47
